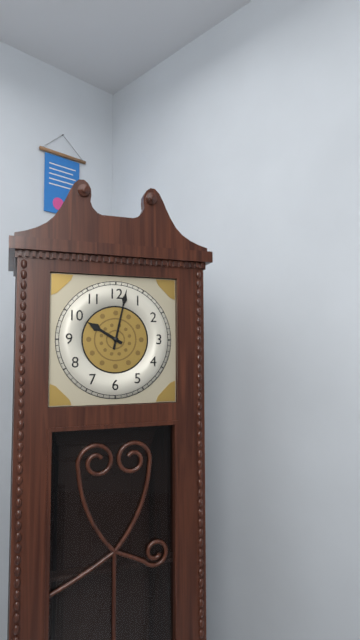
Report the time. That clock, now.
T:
10:02
